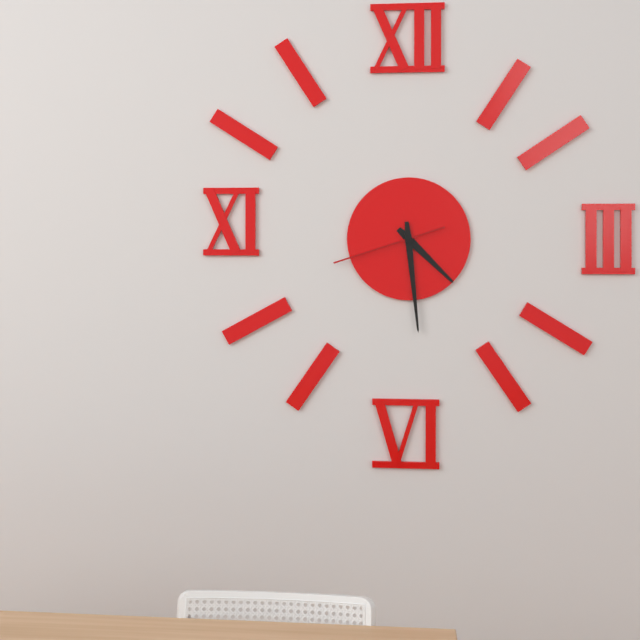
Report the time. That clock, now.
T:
4:29:42
